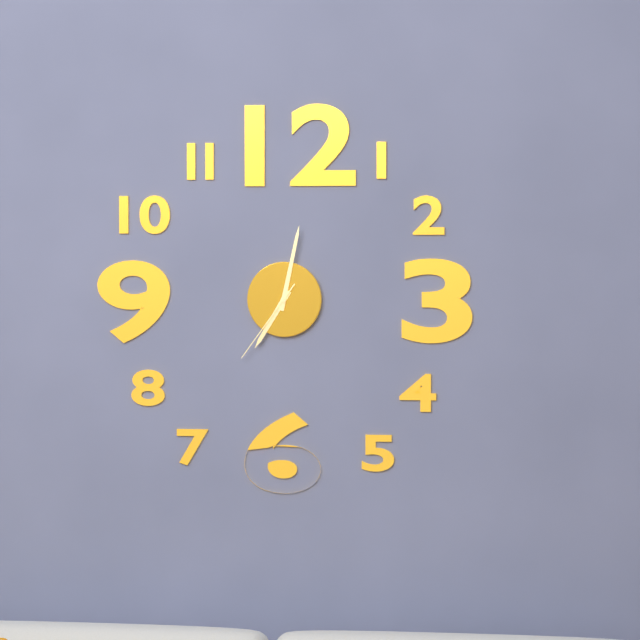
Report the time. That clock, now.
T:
7:02:36
